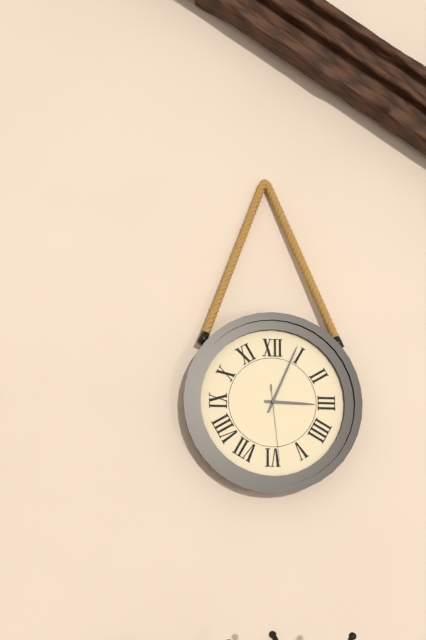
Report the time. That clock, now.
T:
3:04:29
